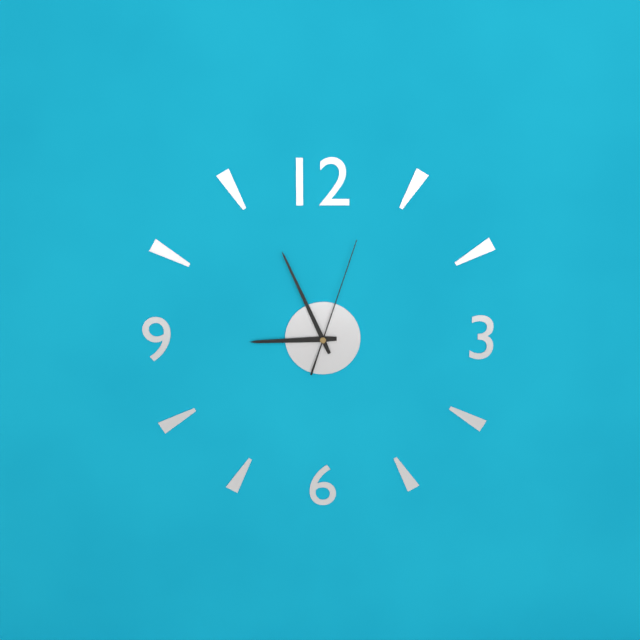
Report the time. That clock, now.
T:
8:56:03
